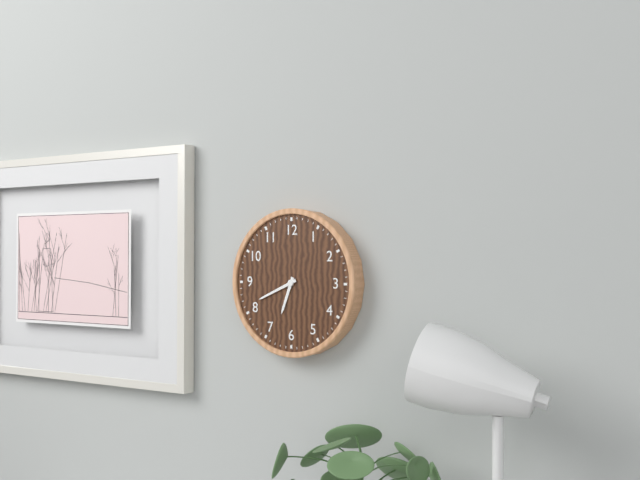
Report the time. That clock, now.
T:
6:41
